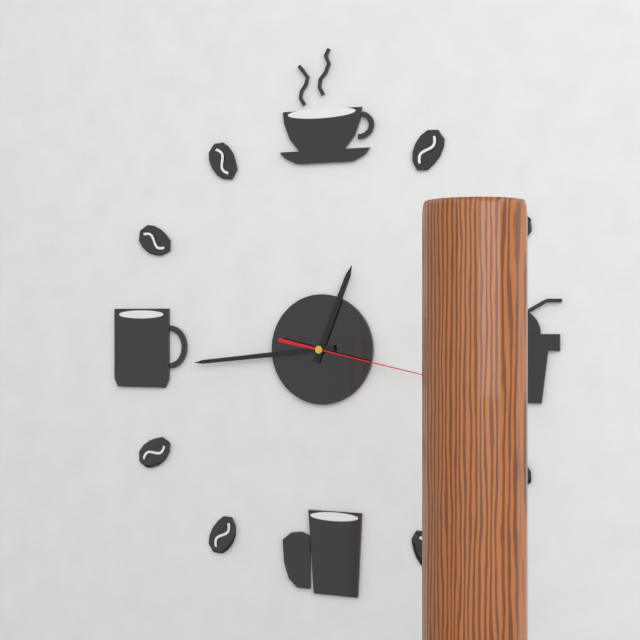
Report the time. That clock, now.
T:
12:44:17
